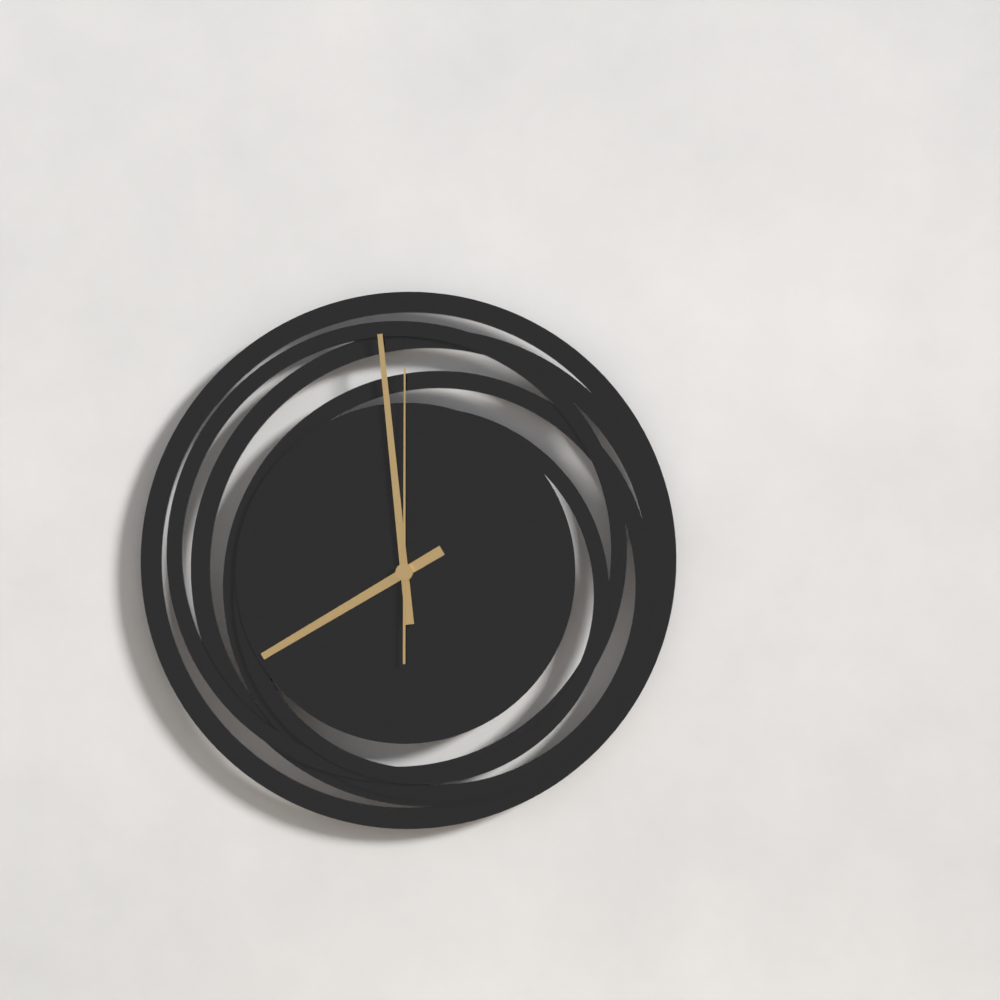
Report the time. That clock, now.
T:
7:59:00
